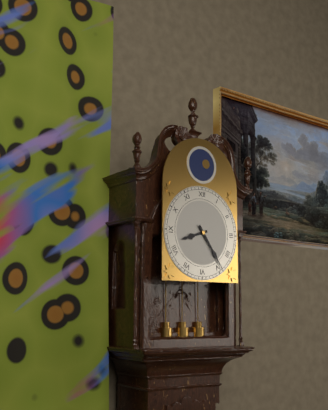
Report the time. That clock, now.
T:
8:24
